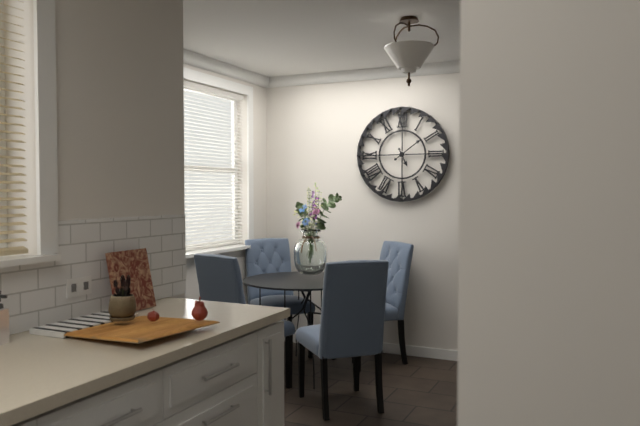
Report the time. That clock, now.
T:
5:09
